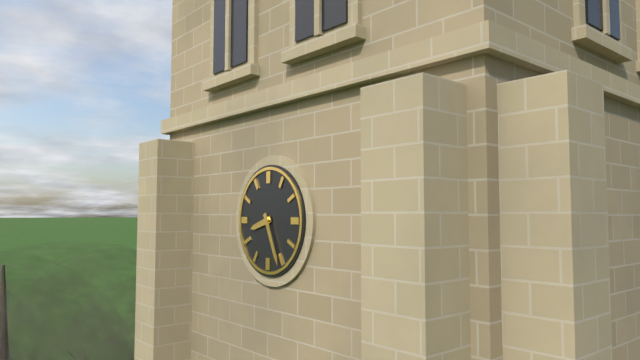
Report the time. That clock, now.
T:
8:26
